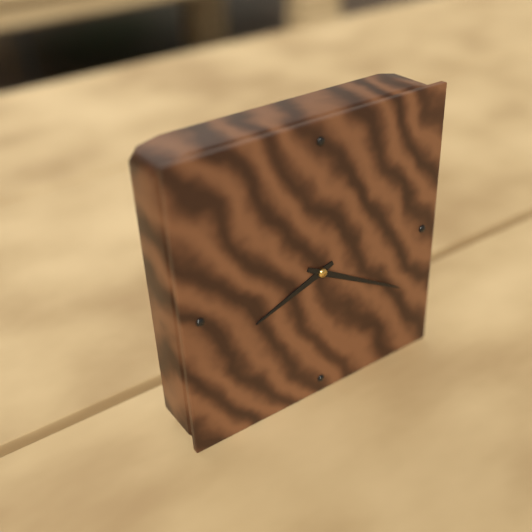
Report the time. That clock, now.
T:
8:20
